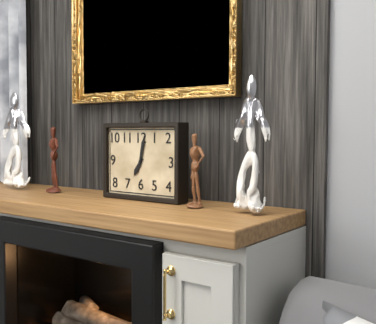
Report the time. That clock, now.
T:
7:02
